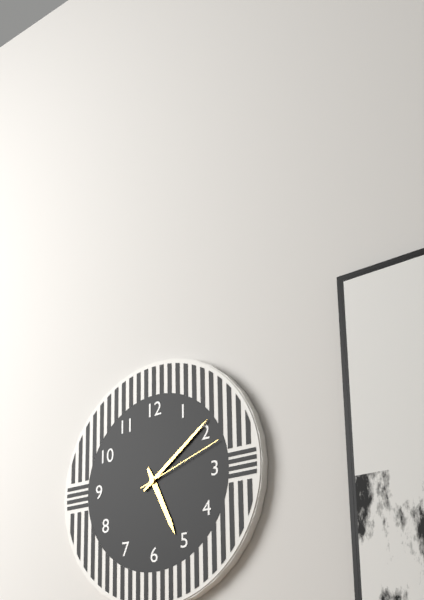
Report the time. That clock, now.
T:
5:09:12
